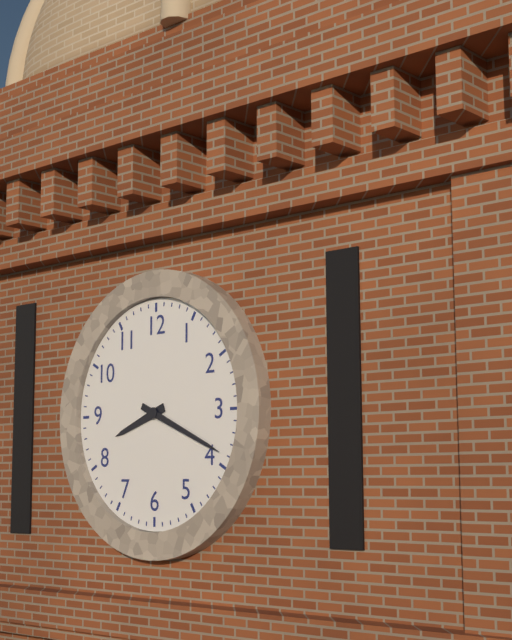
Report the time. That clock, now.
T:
8:19
